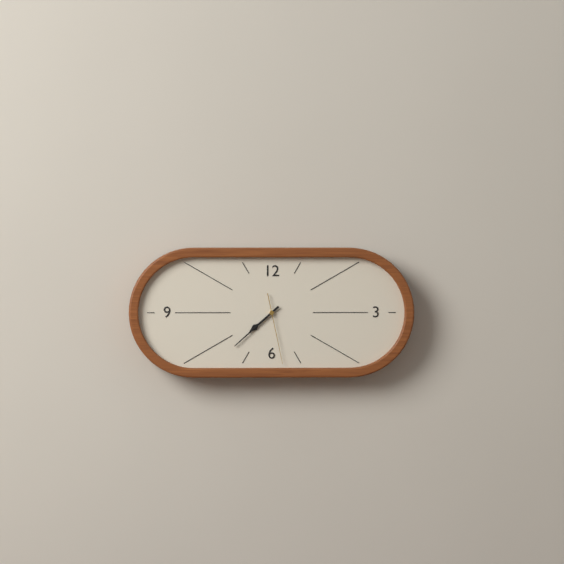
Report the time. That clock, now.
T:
7:38:28
